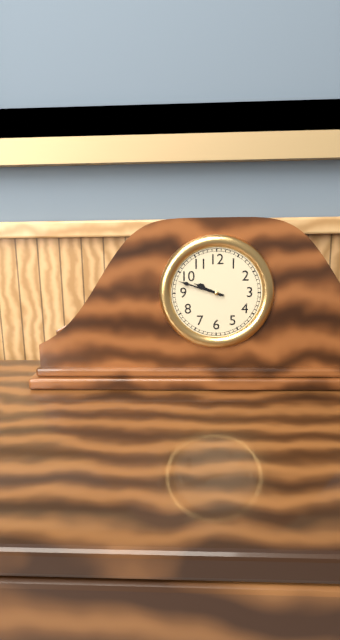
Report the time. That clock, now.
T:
9:48
